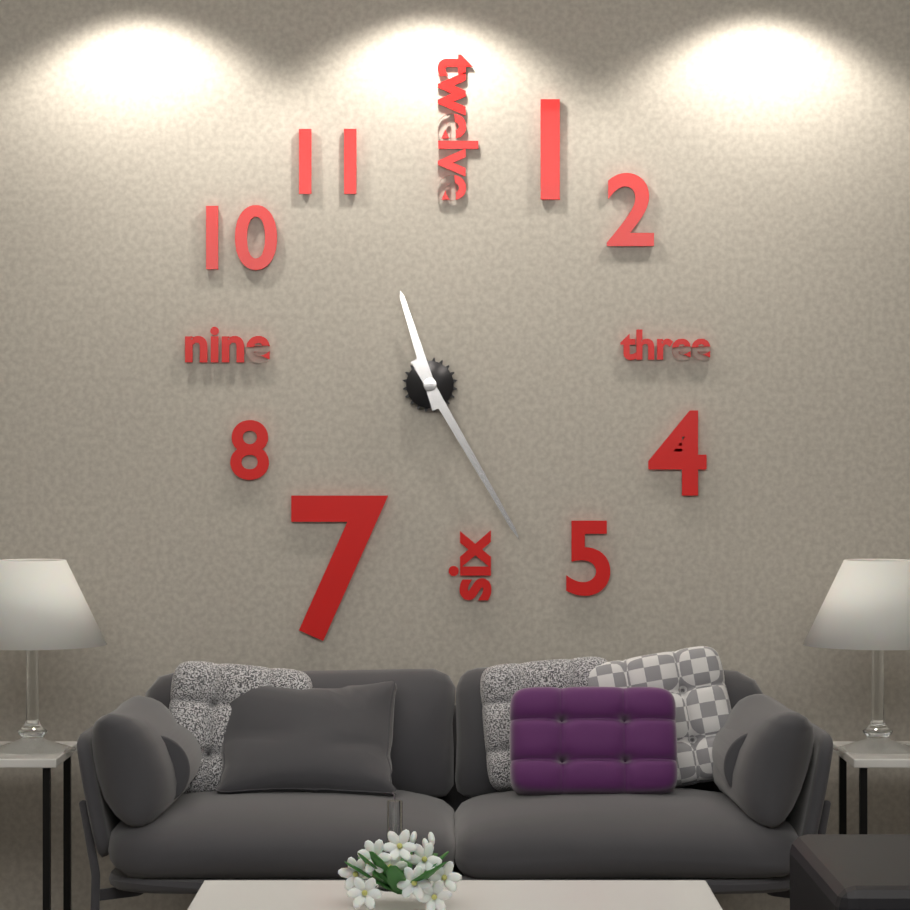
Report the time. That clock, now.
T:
11:25
